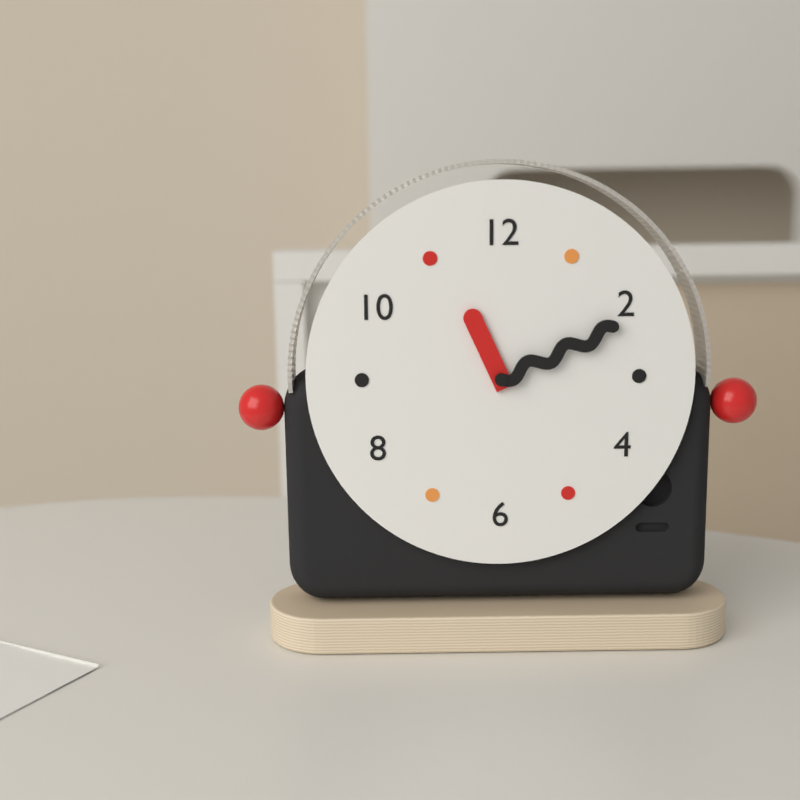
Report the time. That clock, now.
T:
11:11
